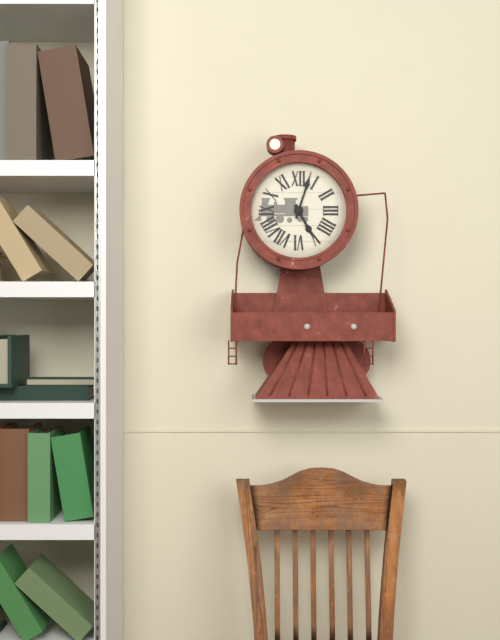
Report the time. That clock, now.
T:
5:03
